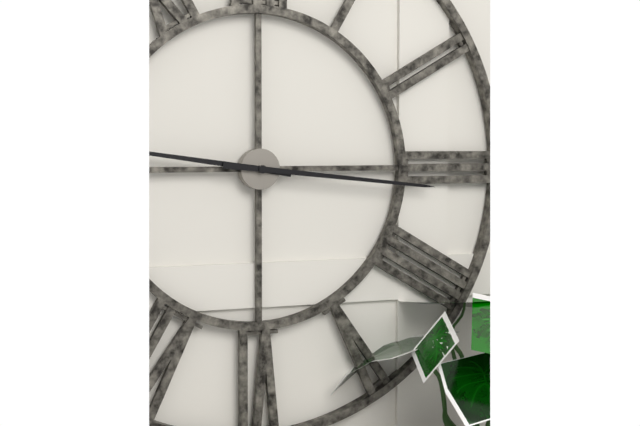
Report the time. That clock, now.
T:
9:16
